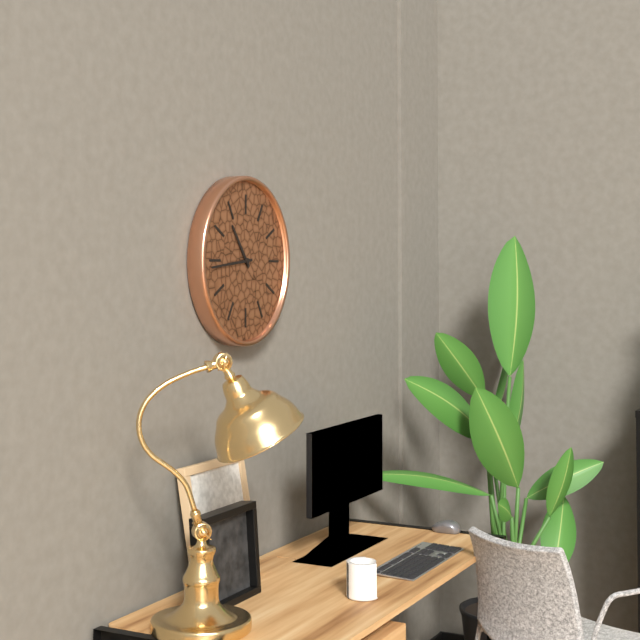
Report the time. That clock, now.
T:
10:44
